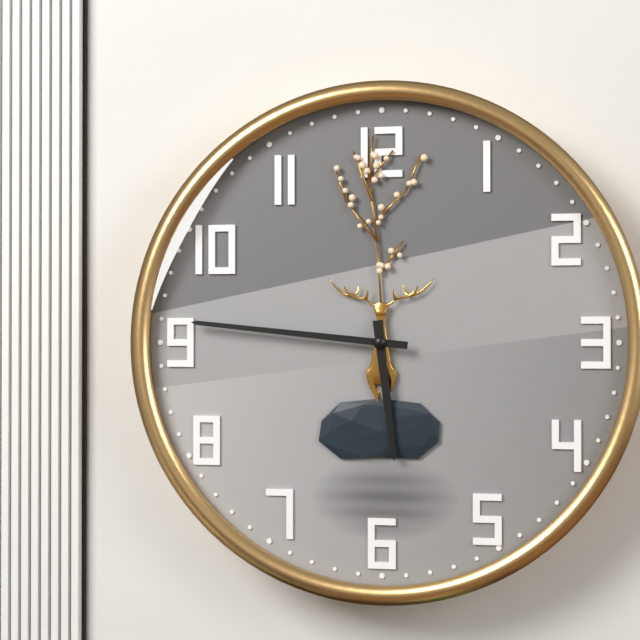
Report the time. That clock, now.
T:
5:46
